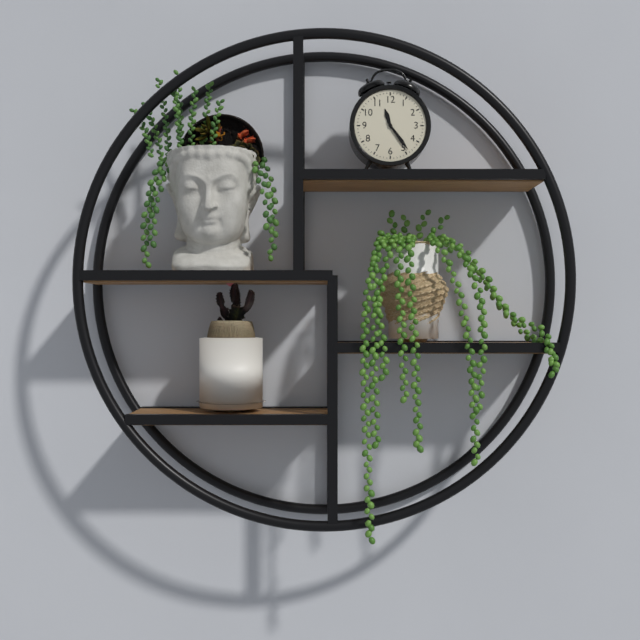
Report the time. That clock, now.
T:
11:24
